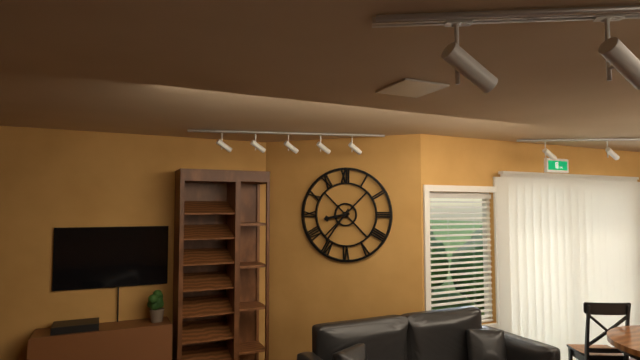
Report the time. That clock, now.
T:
8:36
